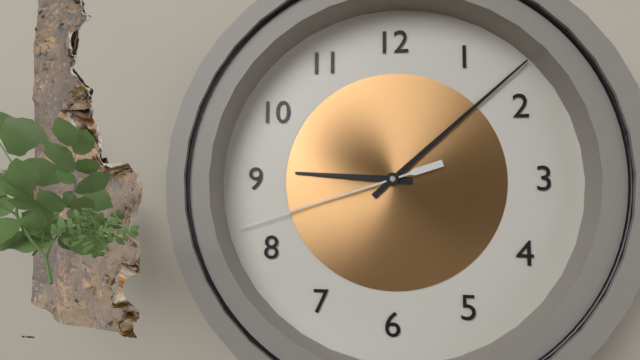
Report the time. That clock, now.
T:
9:08:42
